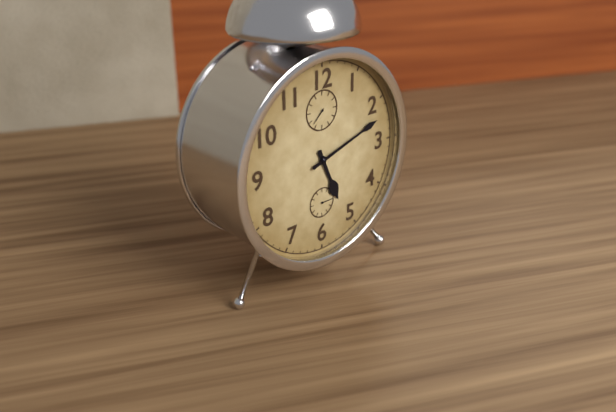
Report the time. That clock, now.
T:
5:12
